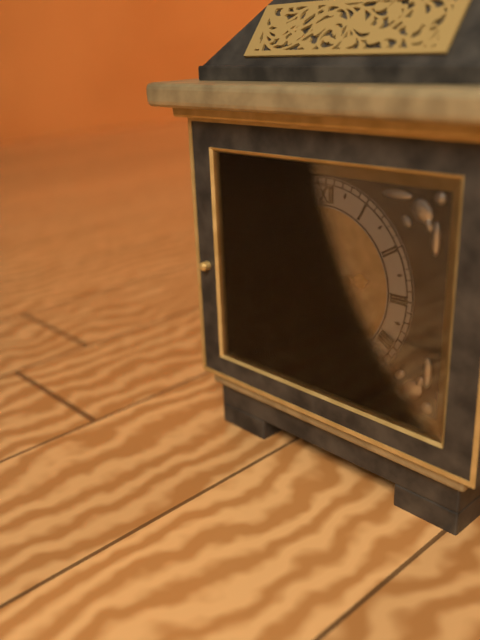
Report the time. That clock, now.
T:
2:36
